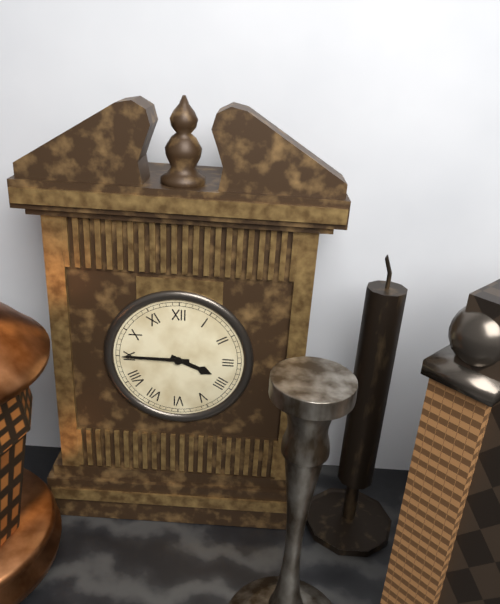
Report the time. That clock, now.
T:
3:45
